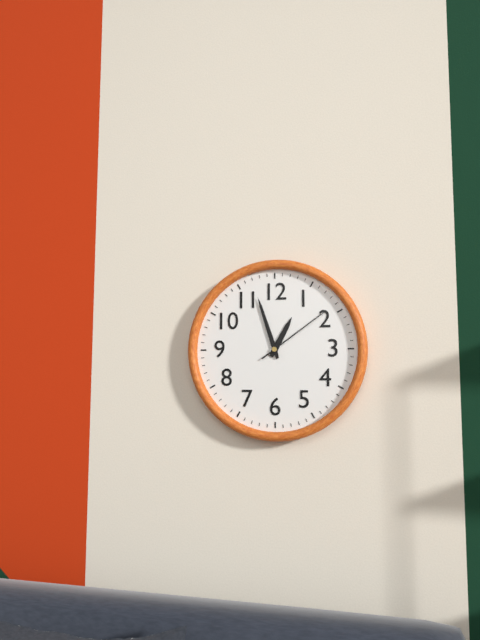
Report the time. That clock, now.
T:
12:57:09
